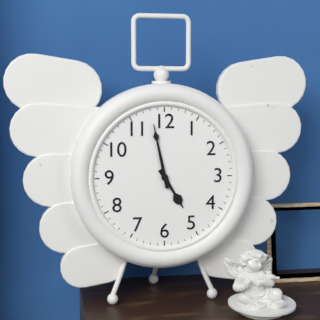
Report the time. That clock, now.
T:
4:58
